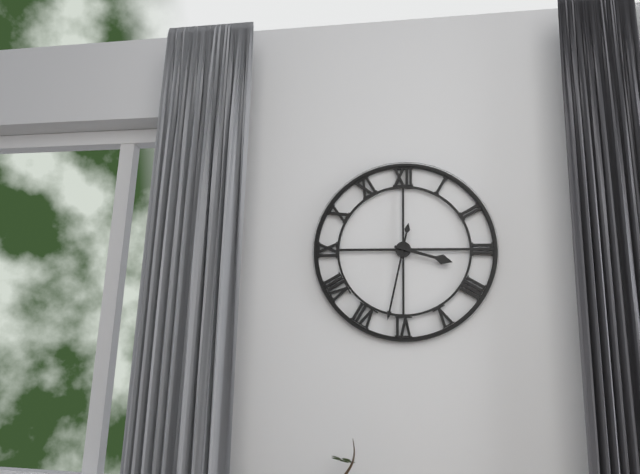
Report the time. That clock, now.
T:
3:32
